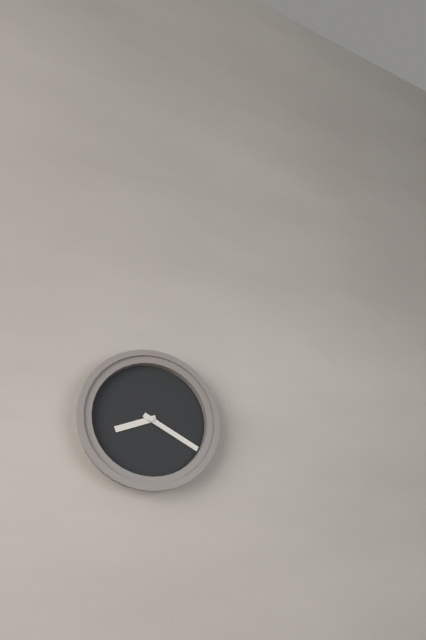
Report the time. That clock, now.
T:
8:20
